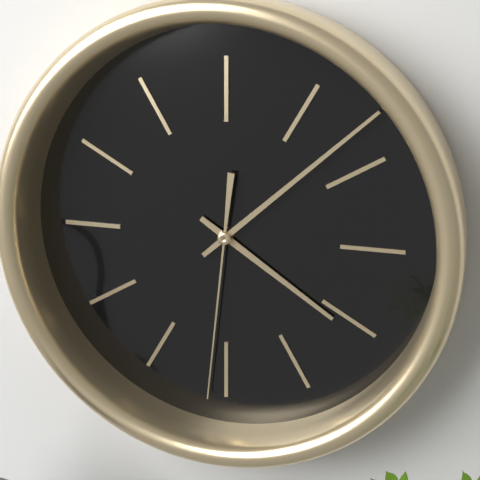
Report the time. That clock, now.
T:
4:08:31
